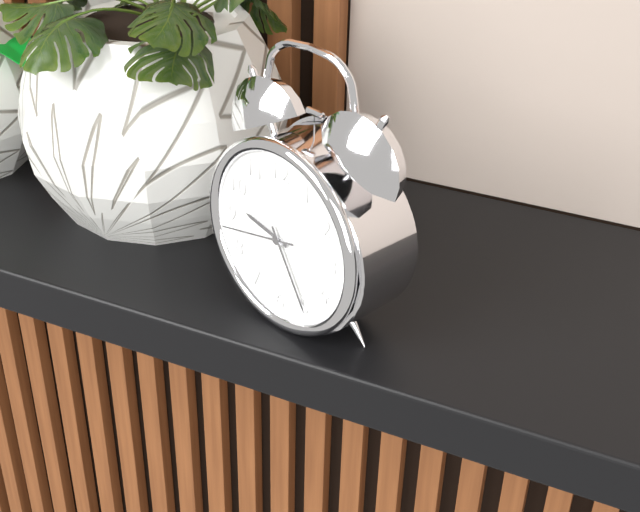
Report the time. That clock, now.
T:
9:25:43
